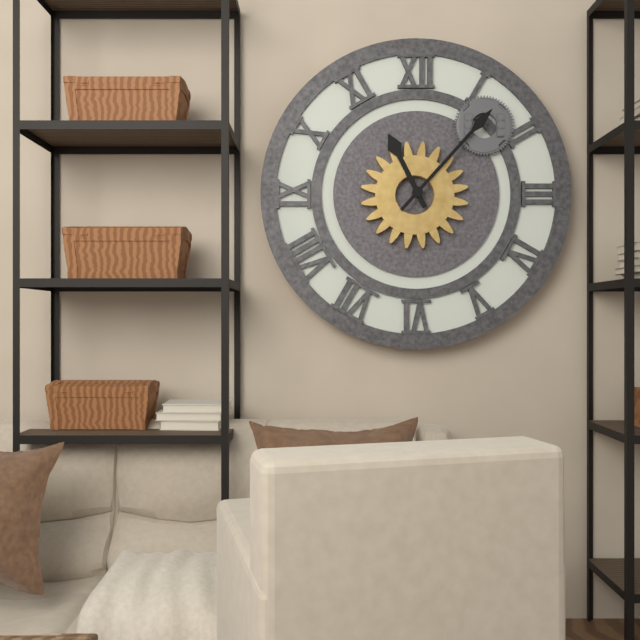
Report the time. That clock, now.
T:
11:07
